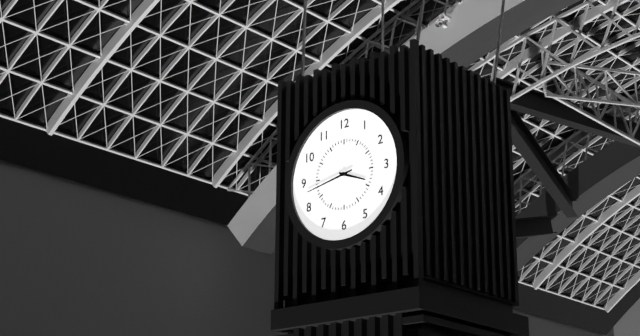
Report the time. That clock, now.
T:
3:43
